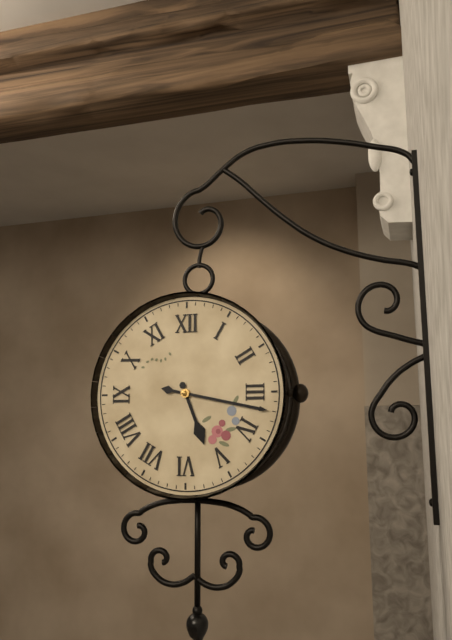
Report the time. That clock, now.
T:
5:17
